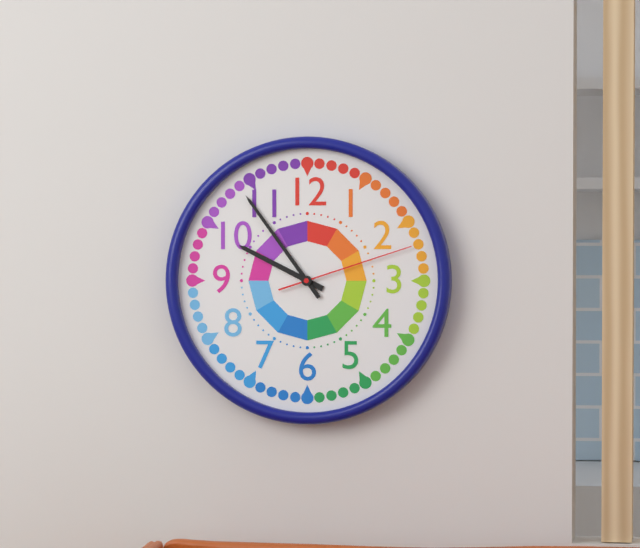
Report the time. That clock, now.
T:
9:54:12
